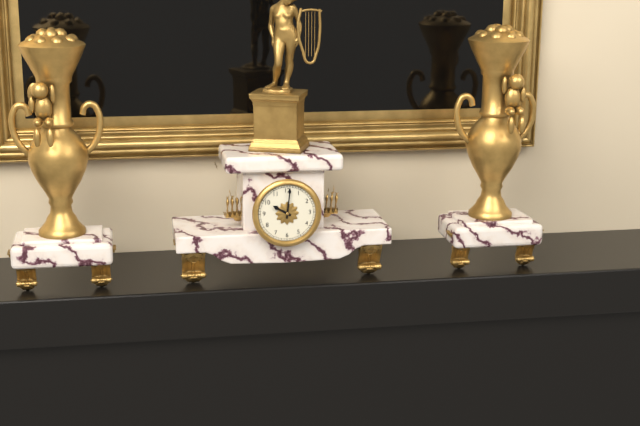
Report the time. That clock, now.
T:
10:01
